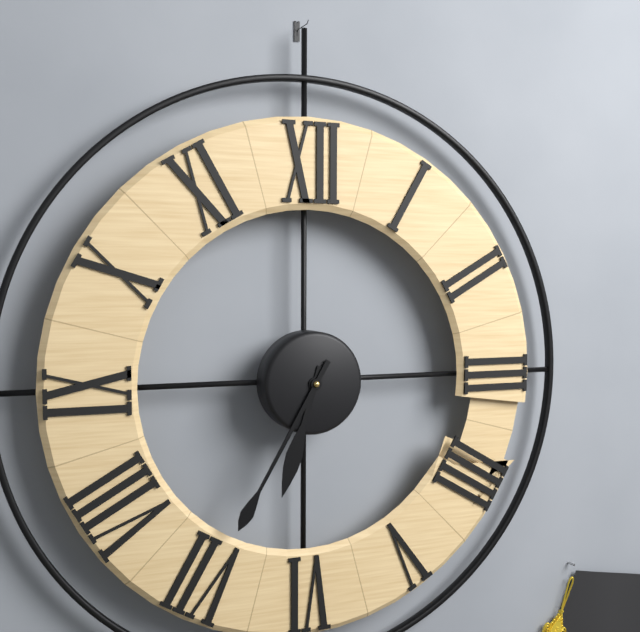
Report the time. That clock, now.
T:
6:35
